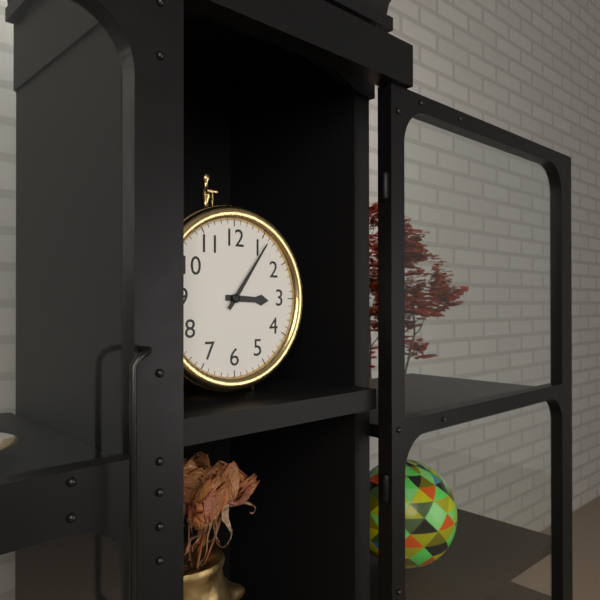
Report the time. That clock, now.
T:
3:06
